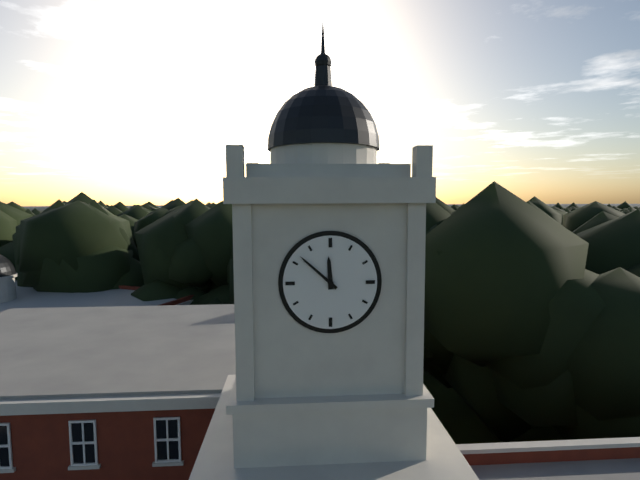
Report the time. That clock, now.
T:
11:52
